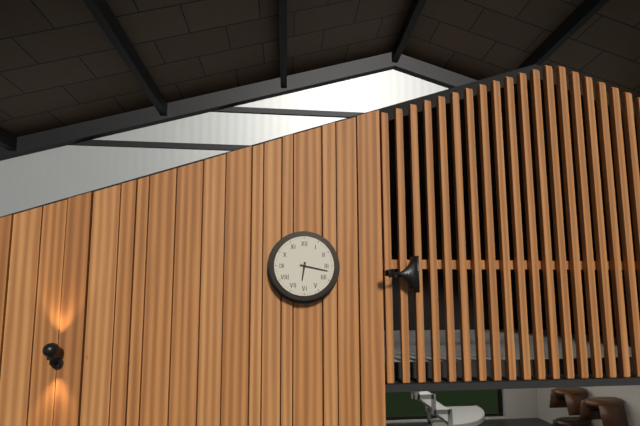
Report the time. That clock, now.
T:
6:17
